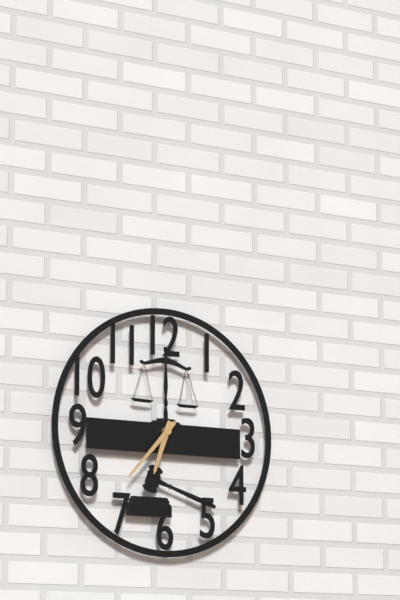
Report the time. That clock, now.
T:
6:37
